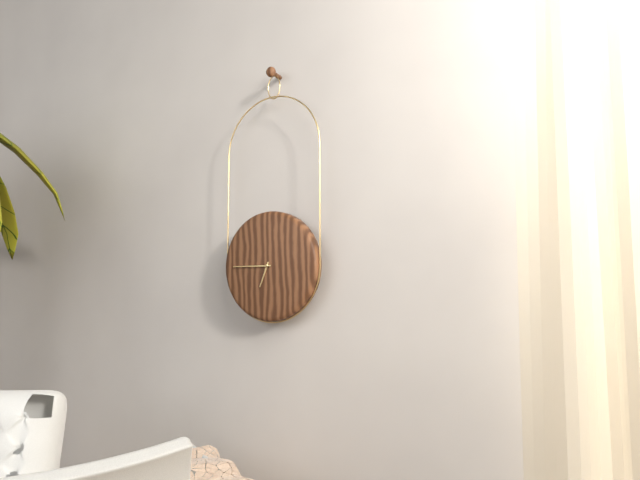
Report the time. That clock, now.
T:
6:45
